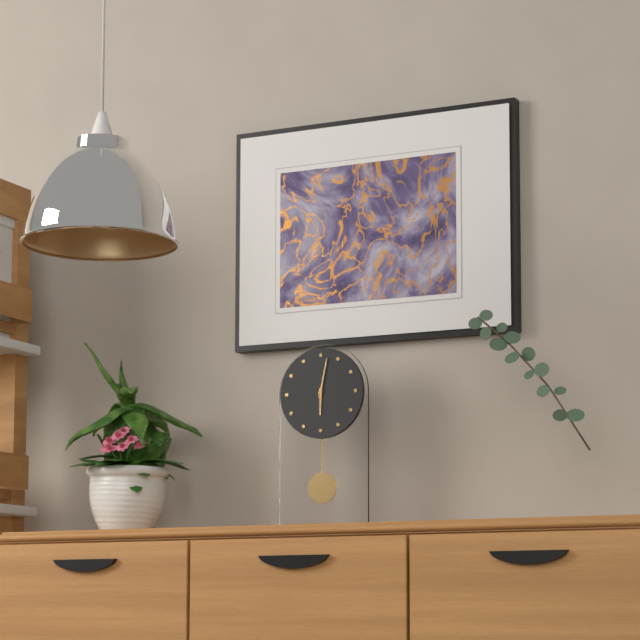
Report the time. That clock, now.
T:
6:02
